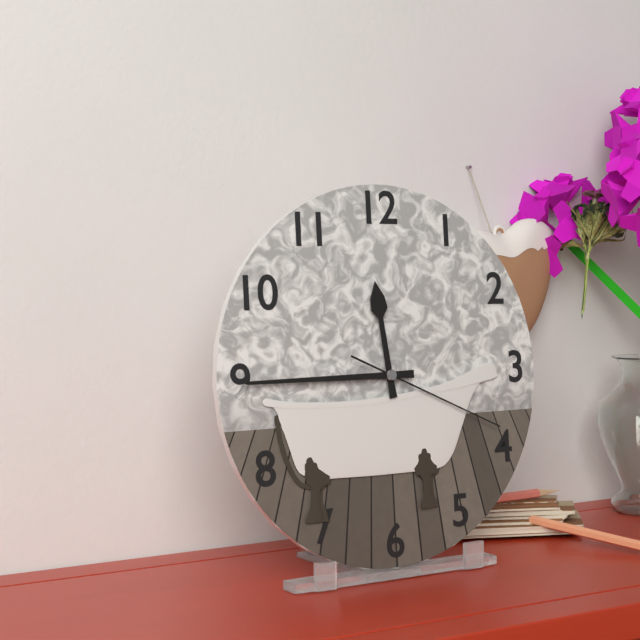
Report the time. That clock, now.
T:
11:45:19
